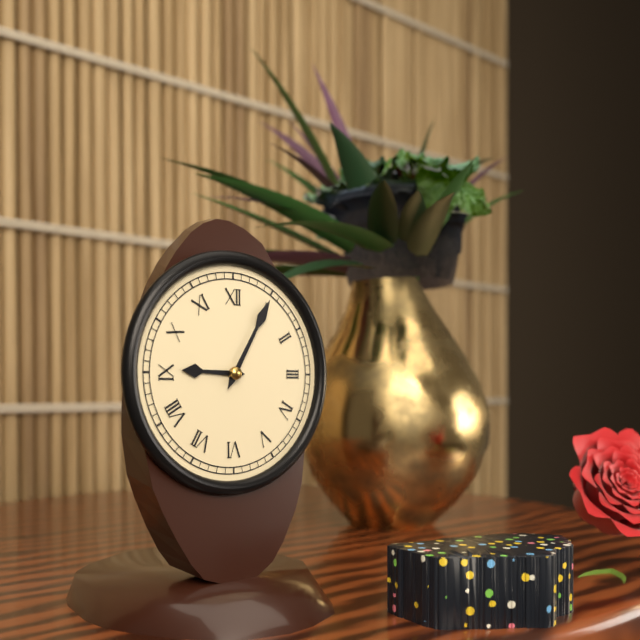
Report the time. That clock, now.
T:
9:05
